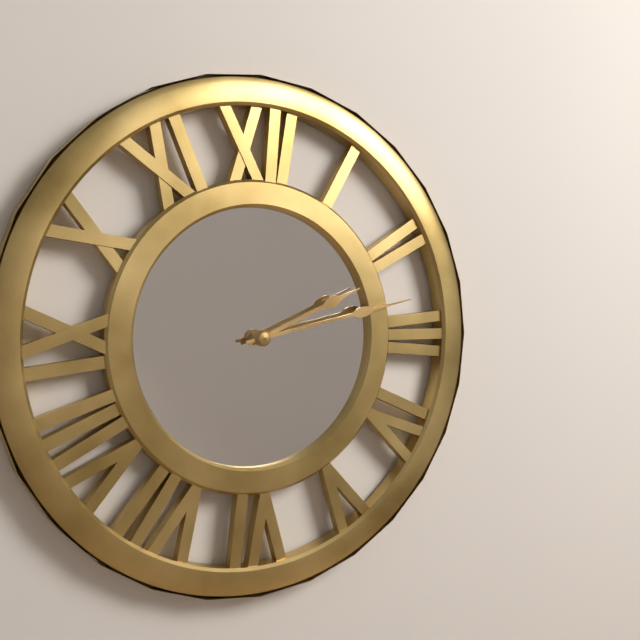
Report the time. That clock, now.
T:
2:13
